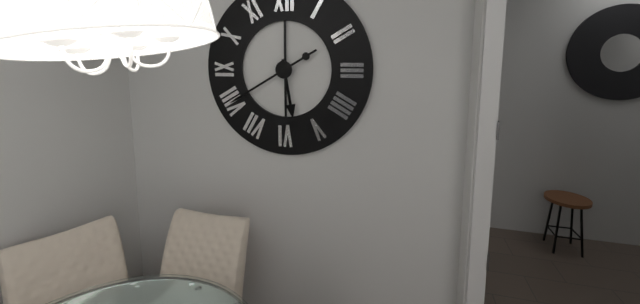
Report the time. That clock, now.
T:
5:40
